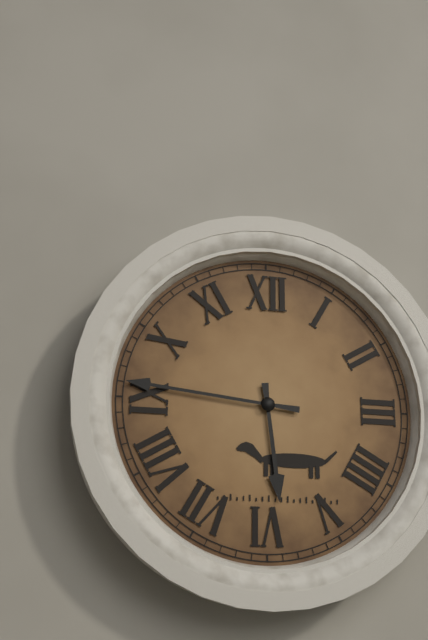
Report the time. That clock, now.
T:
5:46
